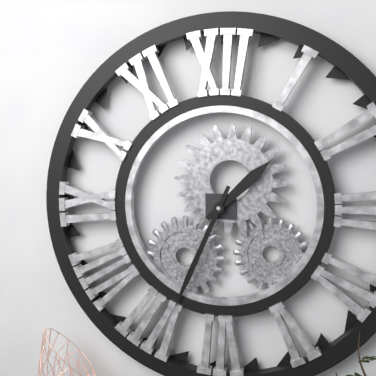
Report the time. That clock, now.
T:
1:34
